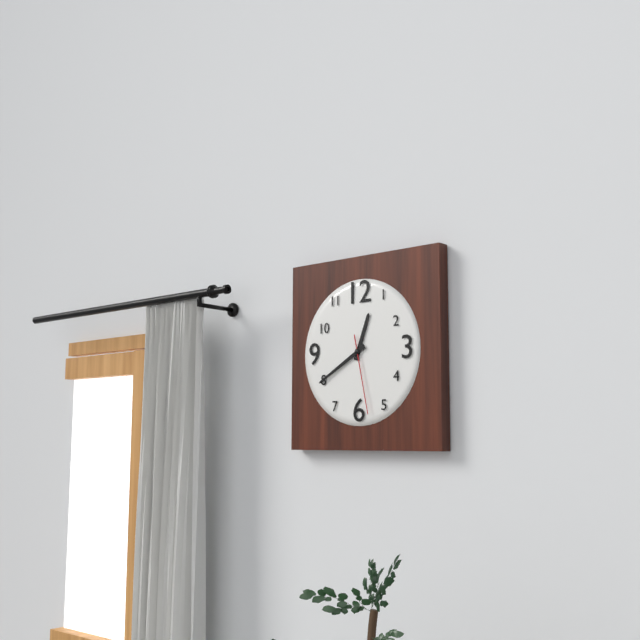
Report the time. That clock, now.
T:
12:40:28
